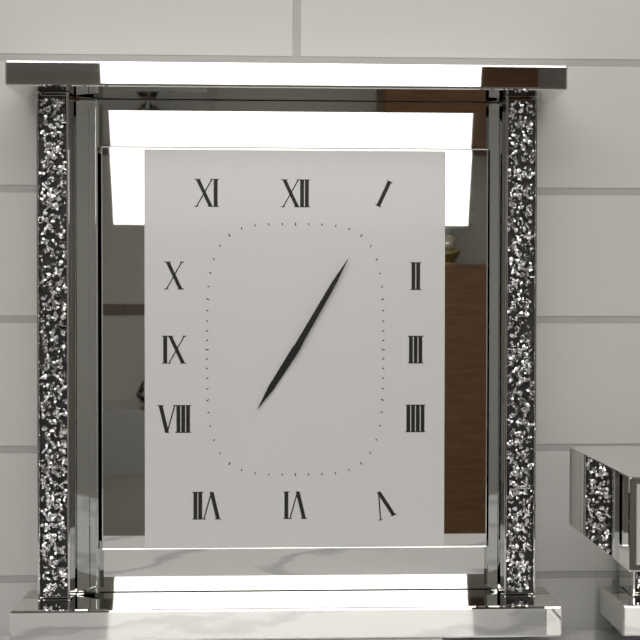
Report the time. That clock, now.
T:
7:05
